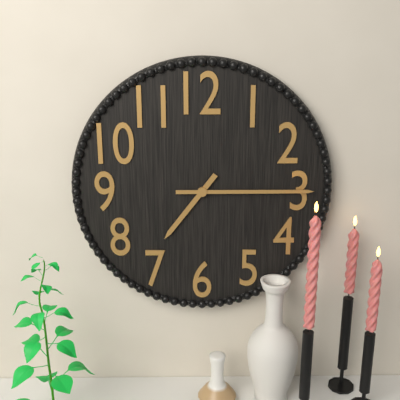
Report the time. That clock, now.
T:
7:15
